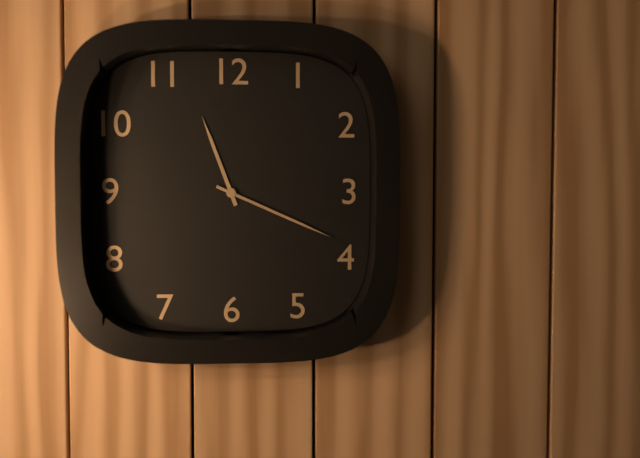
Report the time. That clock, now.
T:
11:19
